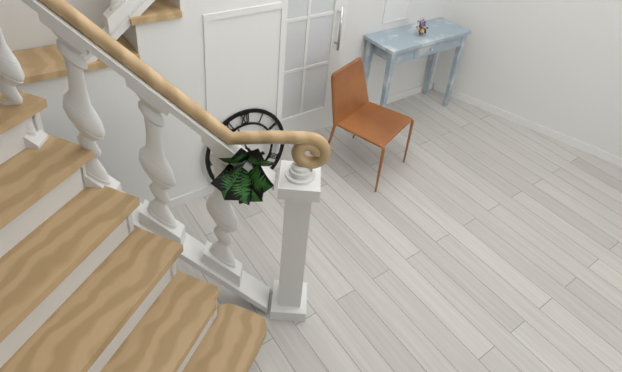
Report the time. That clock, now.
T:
3:57
